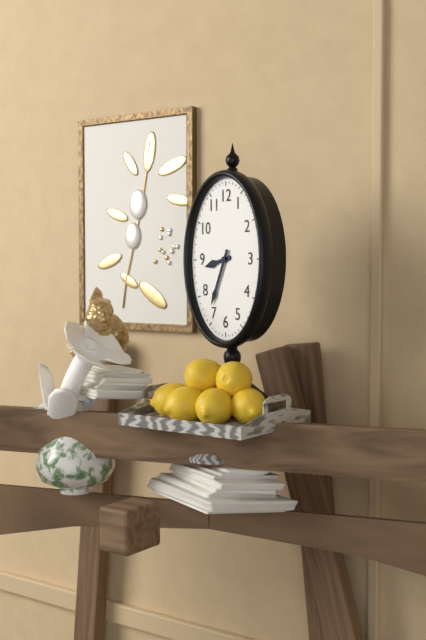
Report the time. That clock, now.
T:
8:34
